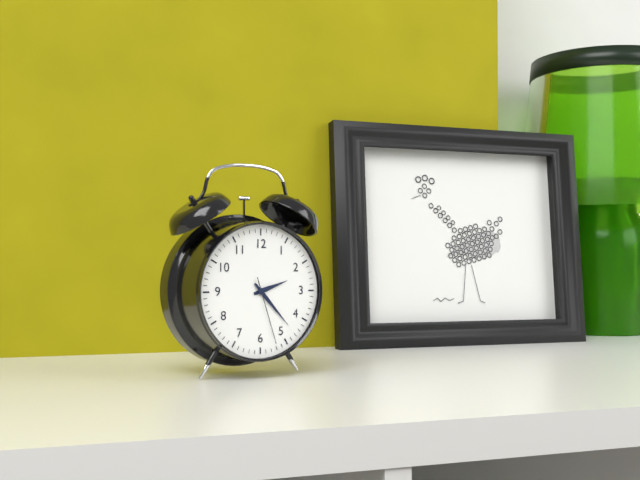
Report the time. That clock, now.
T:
2:23:27
